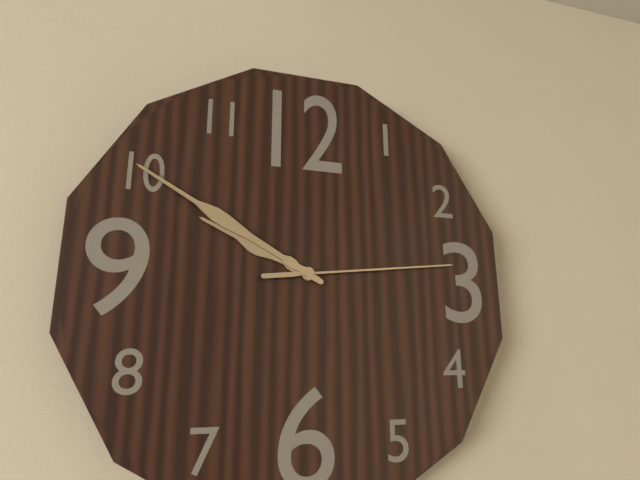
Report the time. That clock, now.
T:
9:50:14
